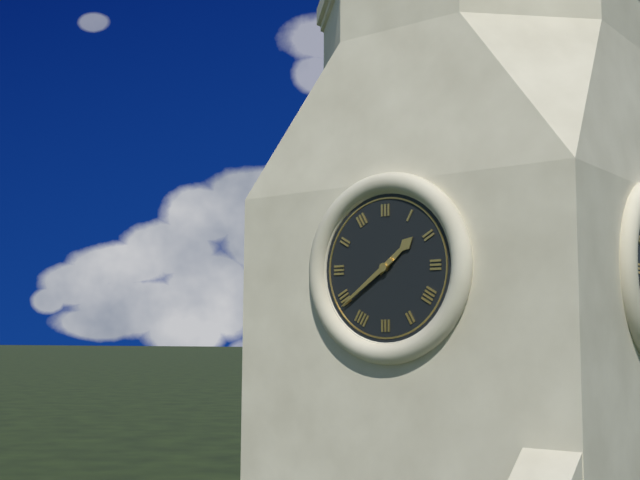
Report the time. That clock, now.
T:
1:39
